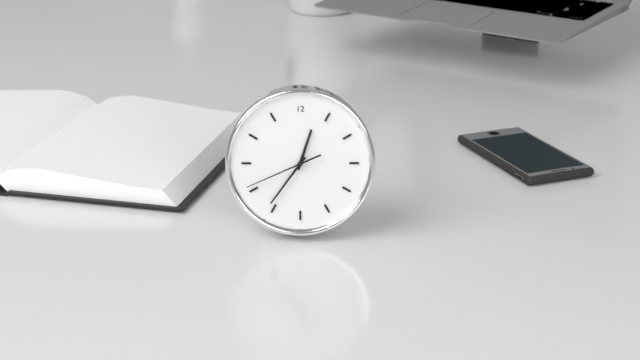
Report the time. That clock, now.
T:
12:36:41
